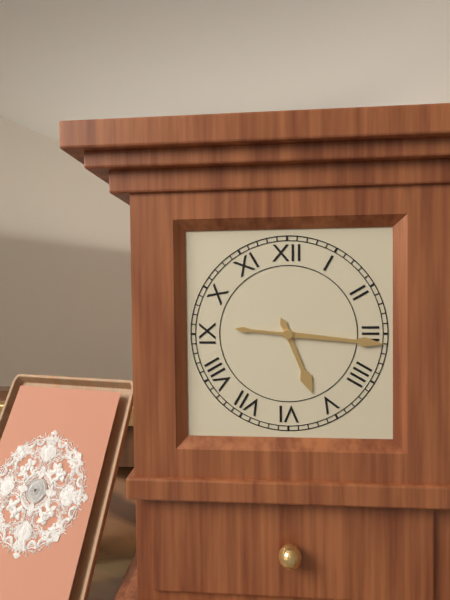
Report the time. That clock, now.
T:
5:16
